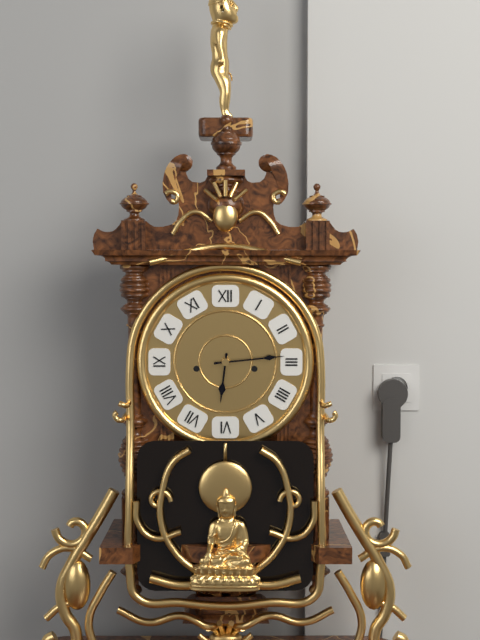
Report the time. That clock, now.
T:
6:14
